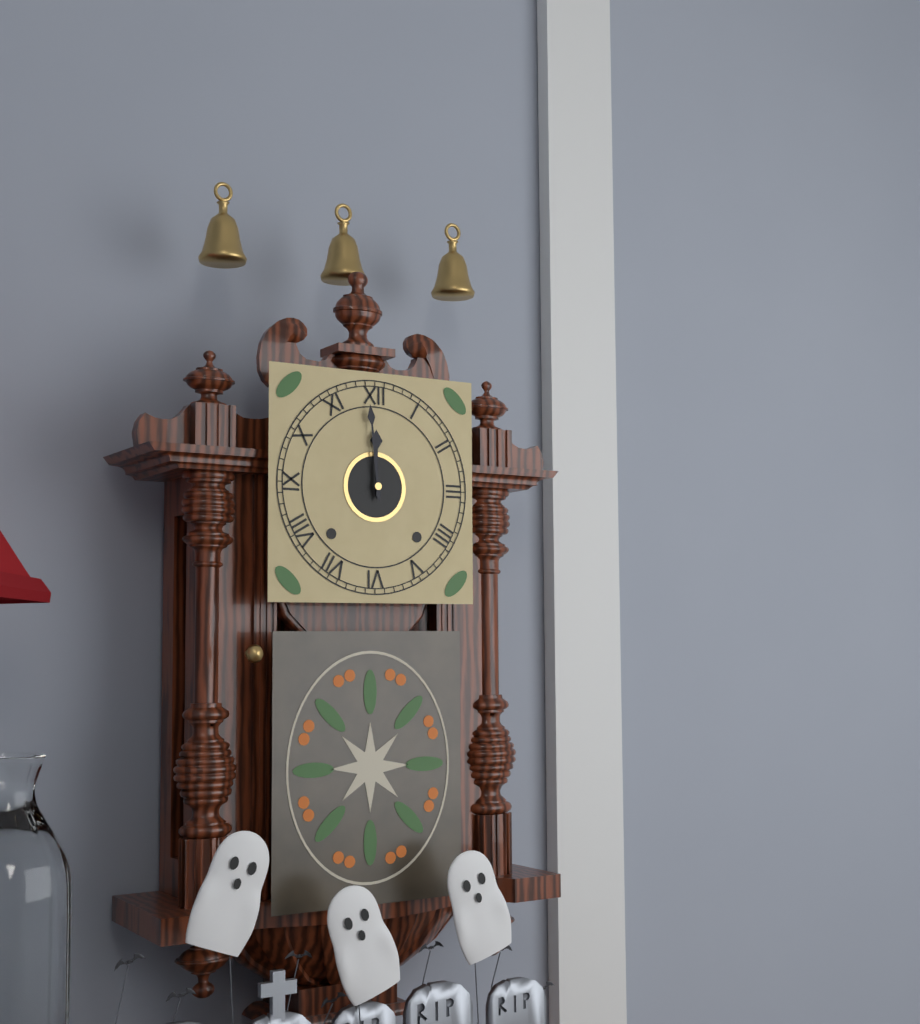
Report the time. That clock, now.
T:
11:59
